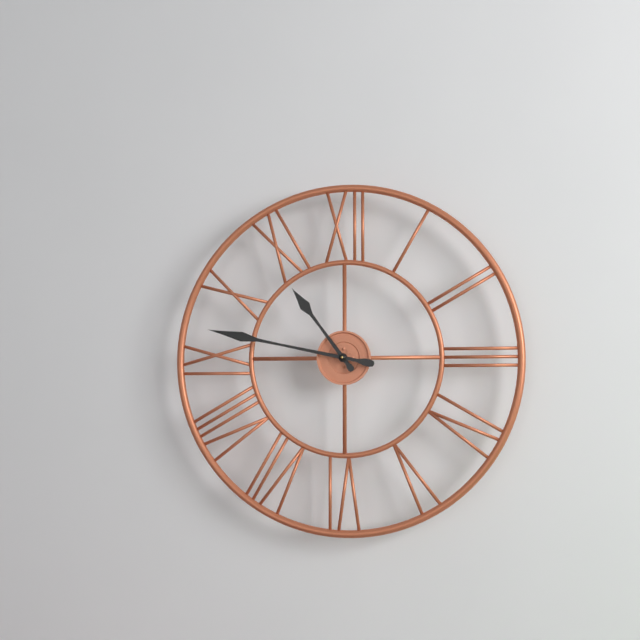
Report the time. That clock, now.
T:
10:47
